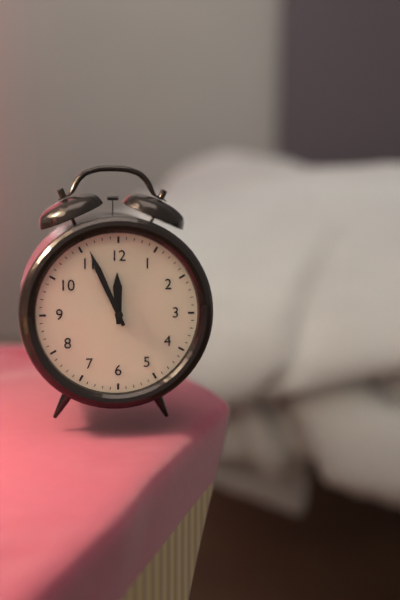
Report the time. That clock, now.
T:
11:56
